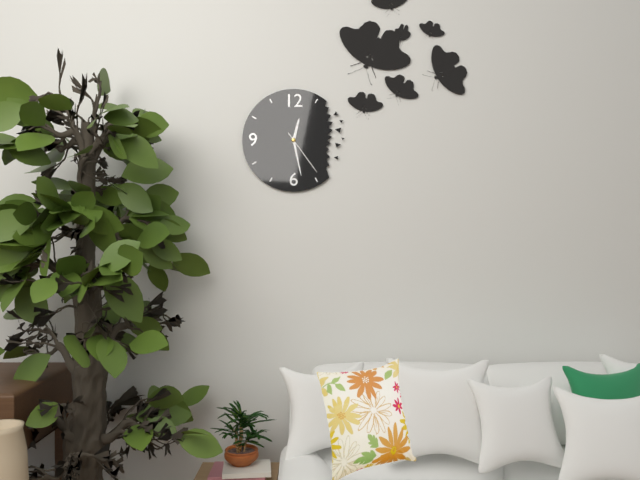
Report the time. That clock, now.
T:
12:28:24
